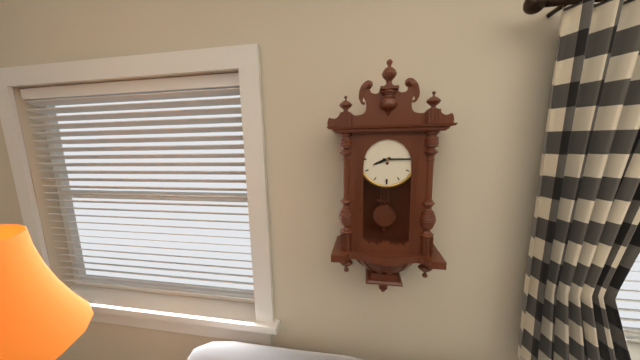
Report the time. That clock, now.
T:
8:15
